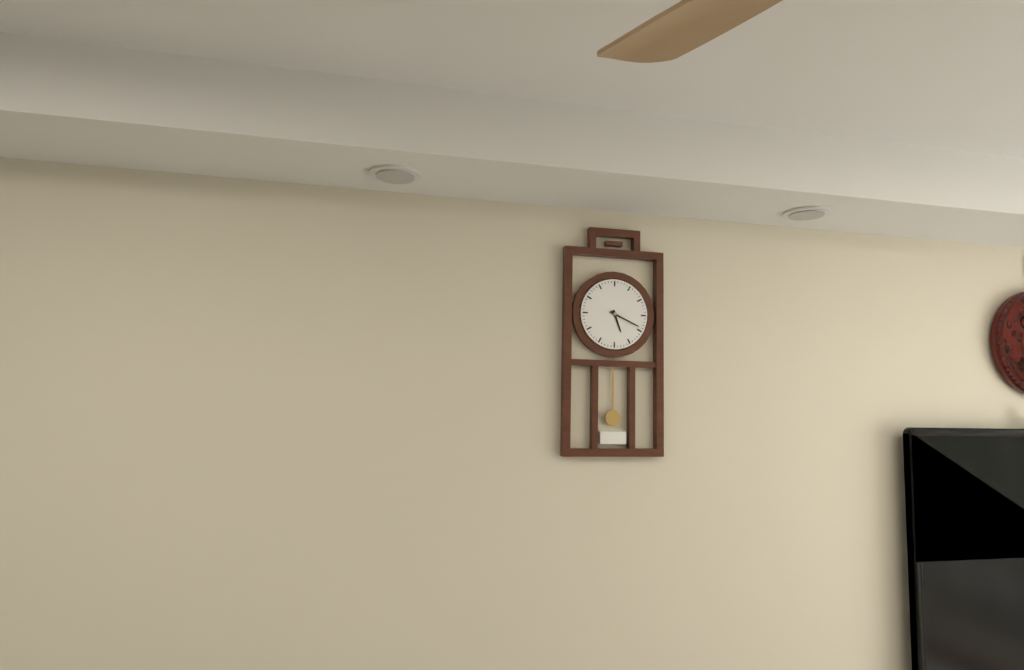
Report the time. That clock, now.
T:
5:19
